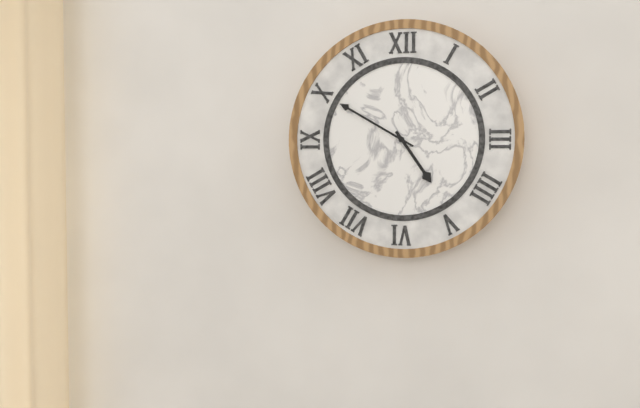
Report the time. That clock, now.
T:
4:50
